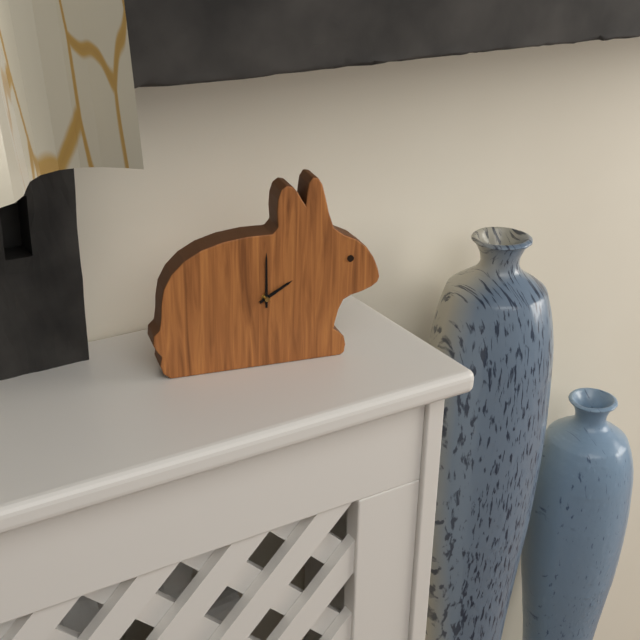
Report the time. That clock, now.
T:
2:00
